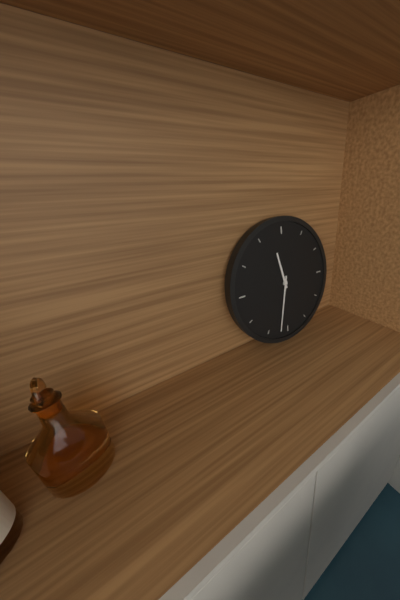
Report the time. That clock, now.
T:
11:32
